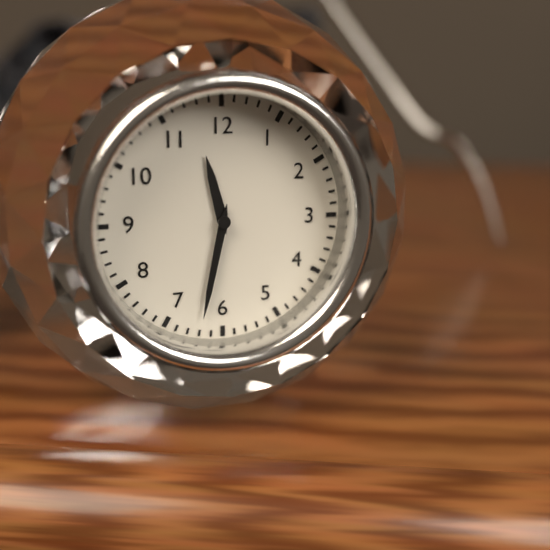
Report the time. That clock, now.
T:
11:32
